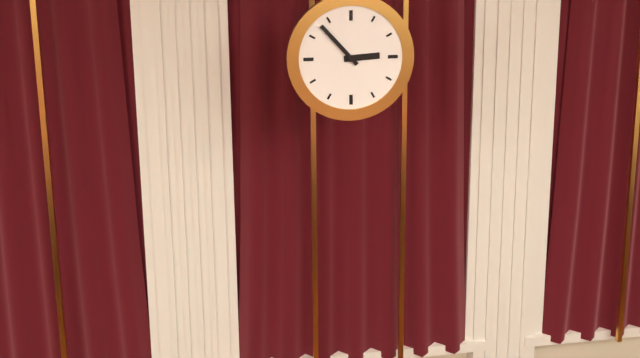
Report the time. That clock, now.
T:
2:53
